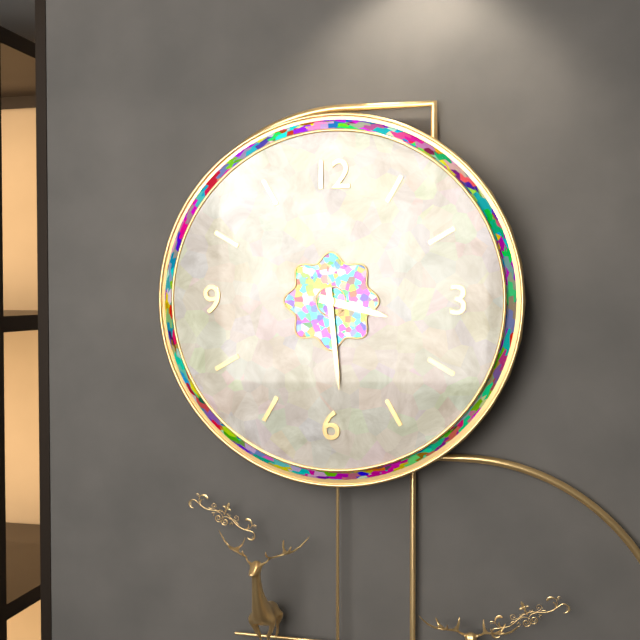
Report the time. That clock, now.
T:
3:29
